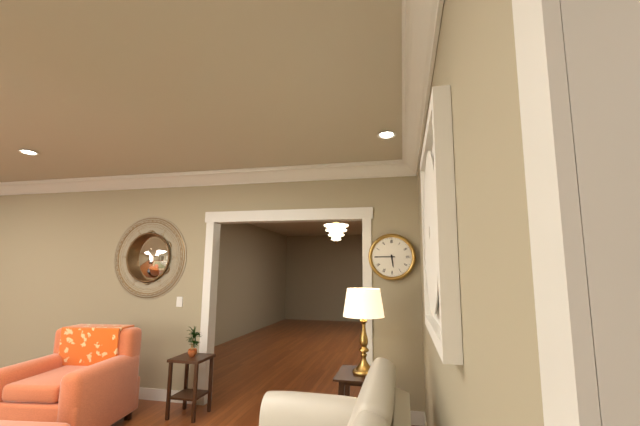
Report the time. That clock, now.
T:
5:45
